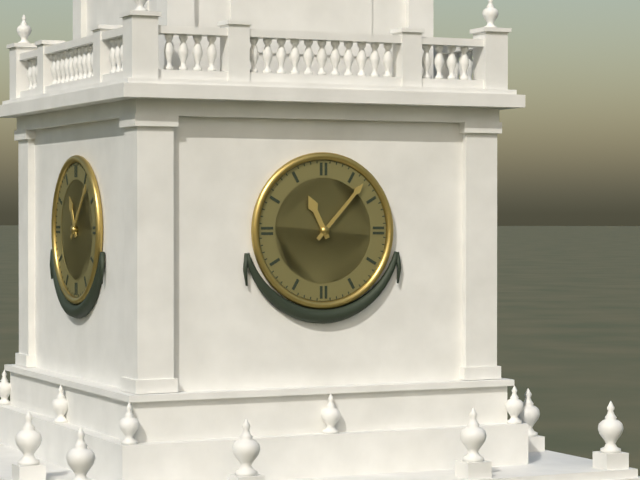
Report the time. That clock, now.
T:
11:07
